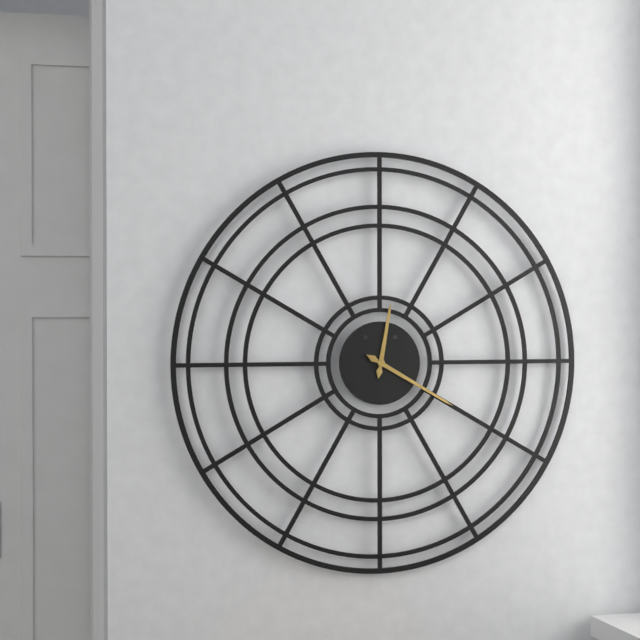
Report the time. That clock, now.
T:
12:20
